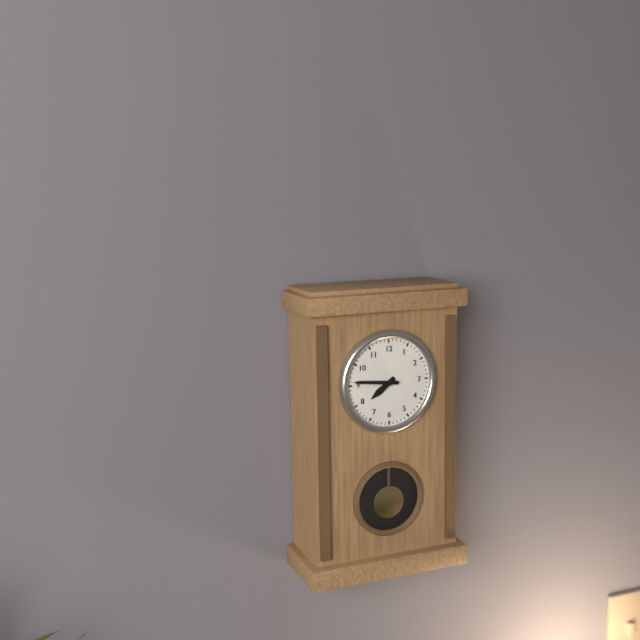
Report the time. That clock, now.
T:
7:46
